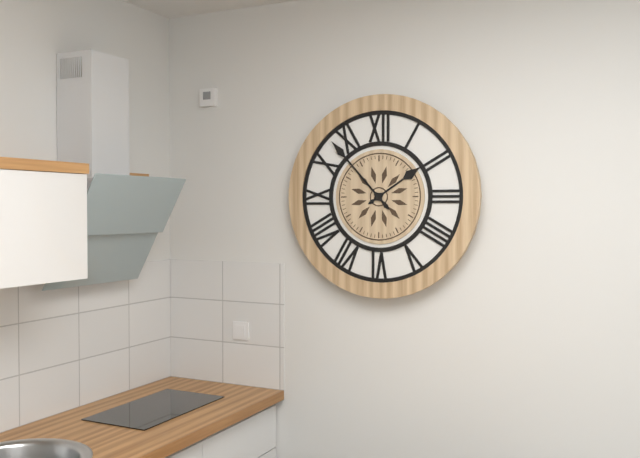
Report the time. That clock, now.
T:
1:53
